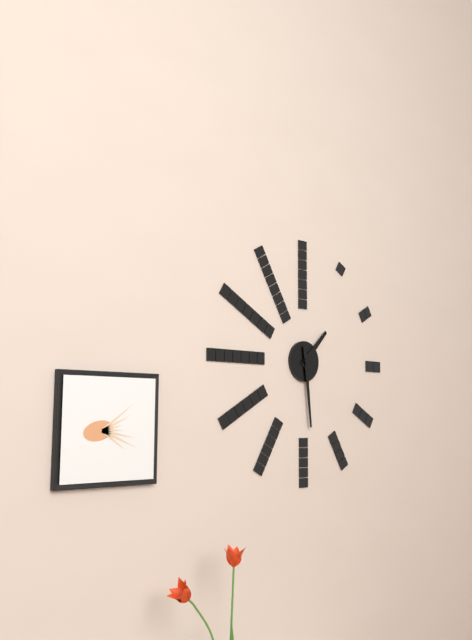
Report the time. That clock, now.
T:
1:29
